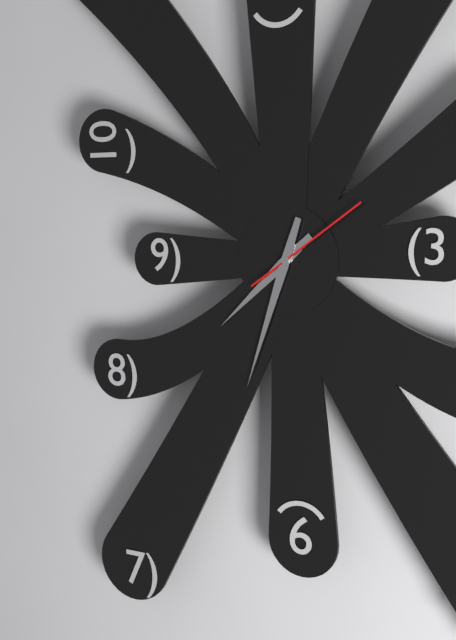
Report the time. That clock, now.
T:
7:33:09
